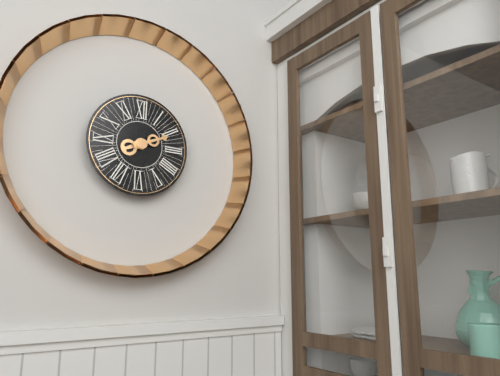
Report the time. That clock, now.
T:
8:11
